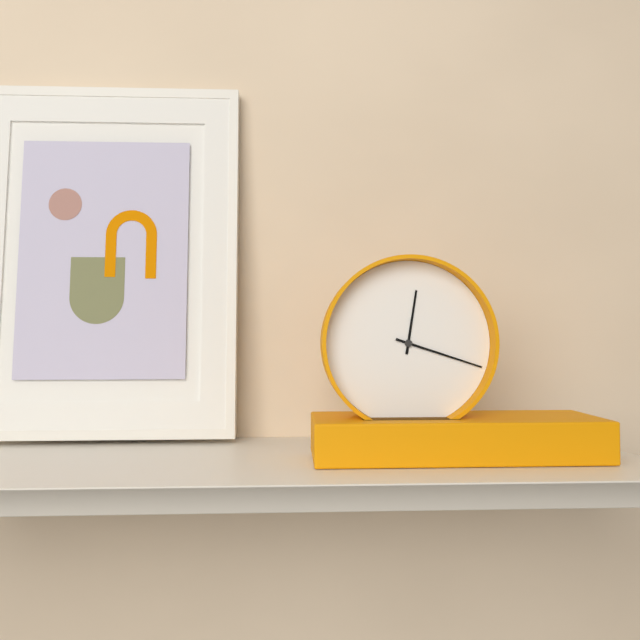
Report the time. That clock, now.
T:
12:18
